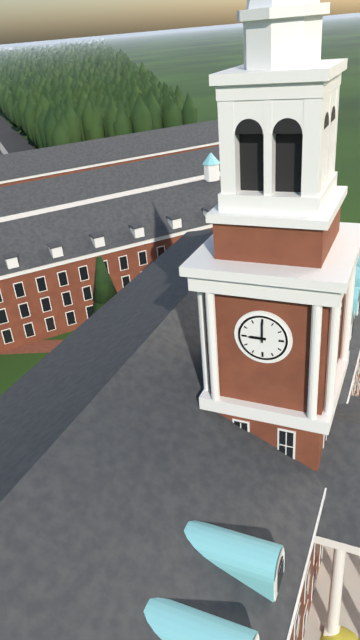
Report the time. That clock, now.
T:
9:00
